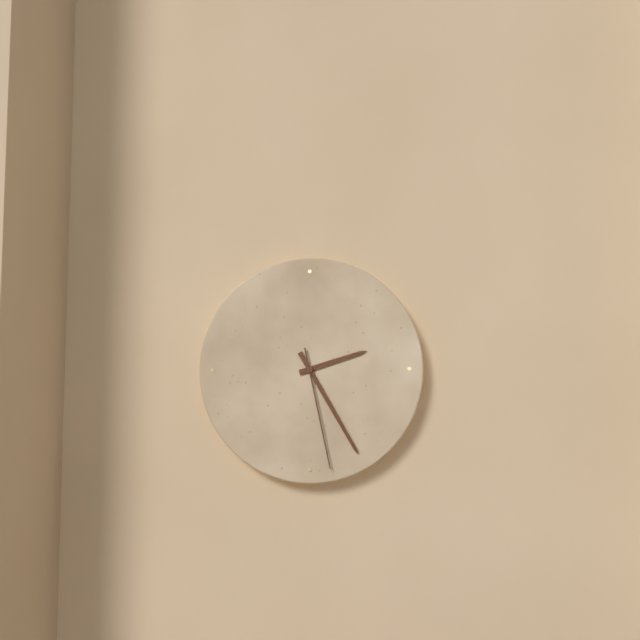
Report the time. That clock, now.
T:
2:25:28
